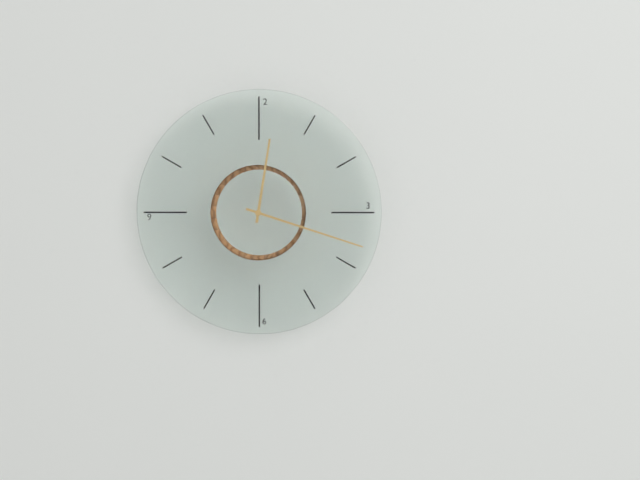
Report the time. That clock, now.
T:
12:18
